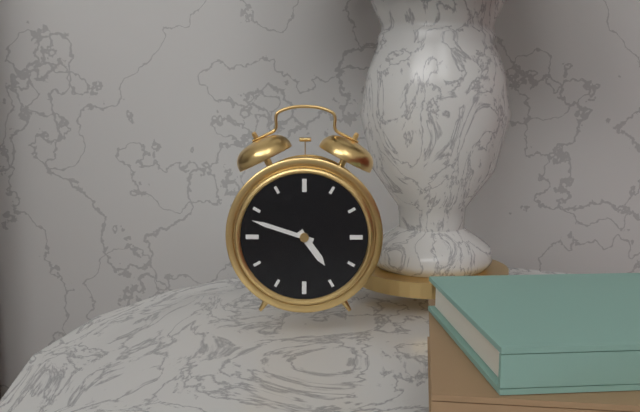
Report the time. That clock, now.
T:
4:48
